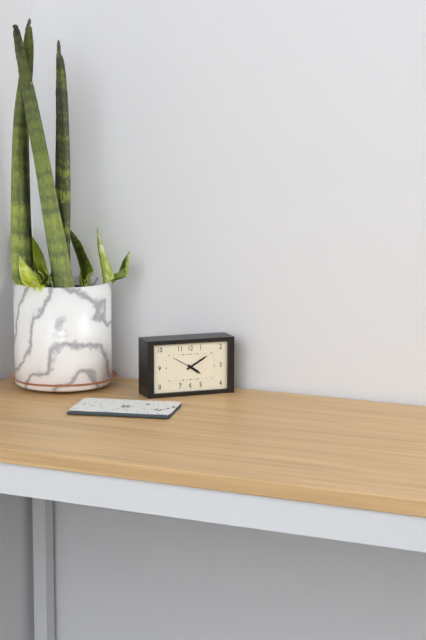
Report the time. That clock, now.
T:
4:10
